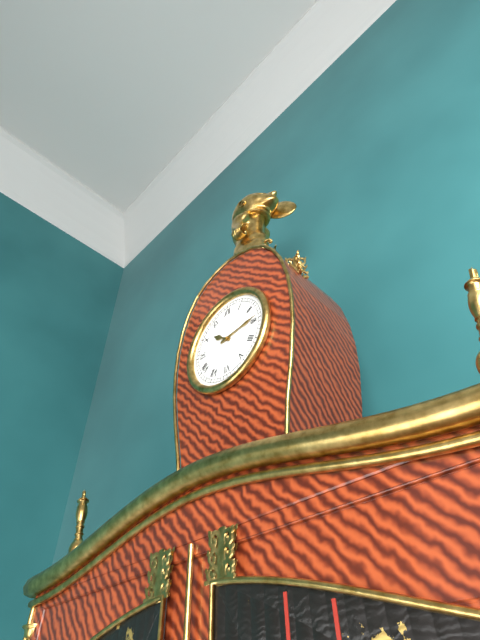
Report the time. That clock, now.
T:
10:14
